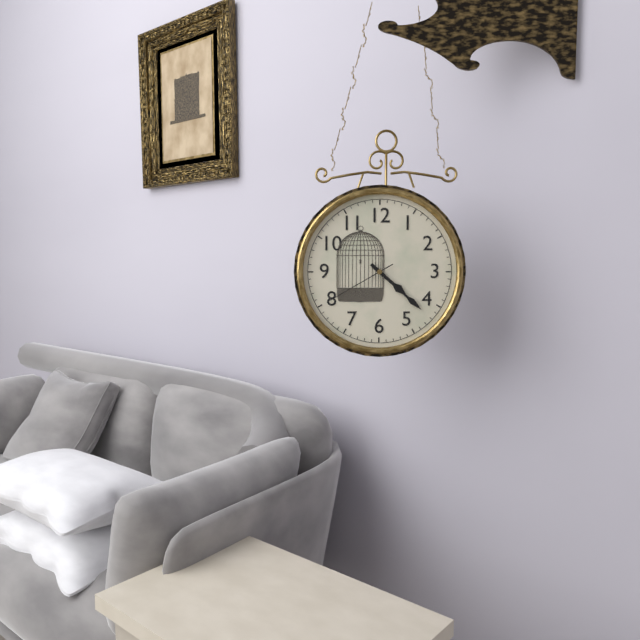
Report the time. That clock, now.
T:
4:22:40
